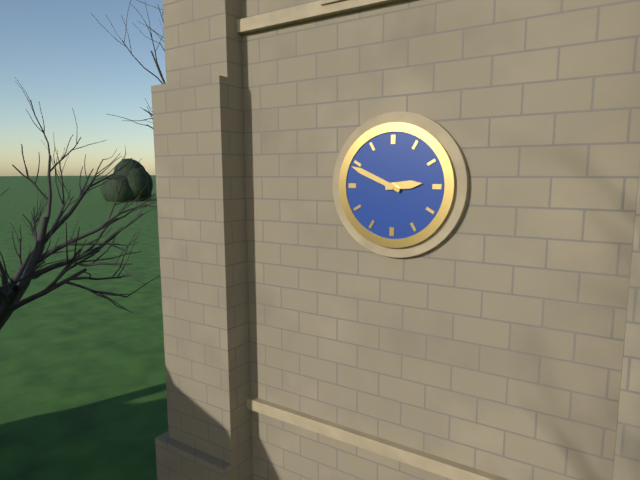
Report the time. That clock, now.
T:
2:49
